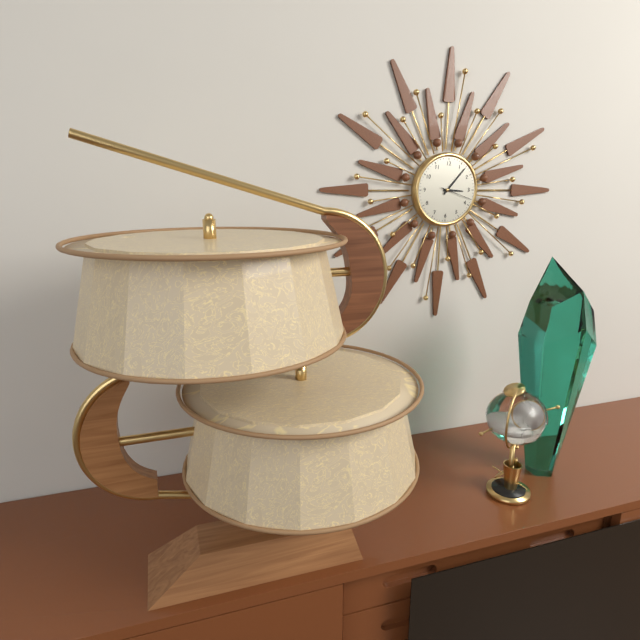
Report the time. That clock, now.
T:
3:07
